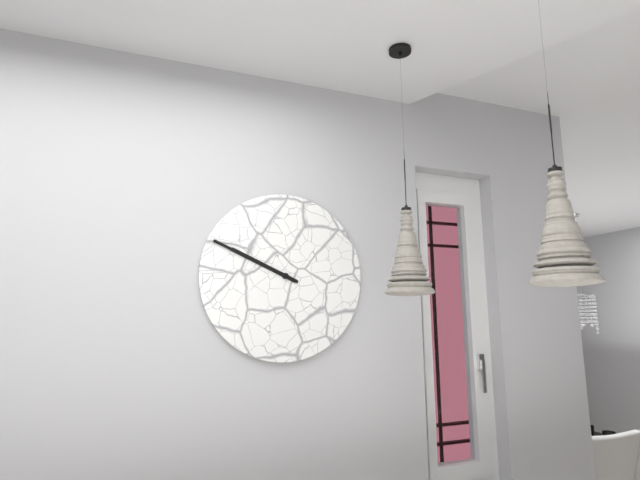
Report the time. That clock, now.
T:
9:49
